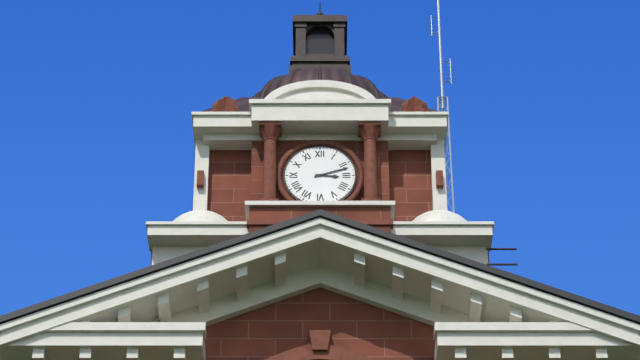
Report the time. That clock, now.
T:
3:12
